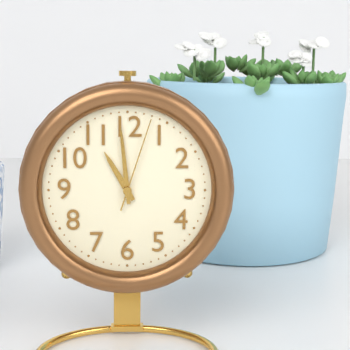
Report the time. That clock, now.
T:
10:59:03
